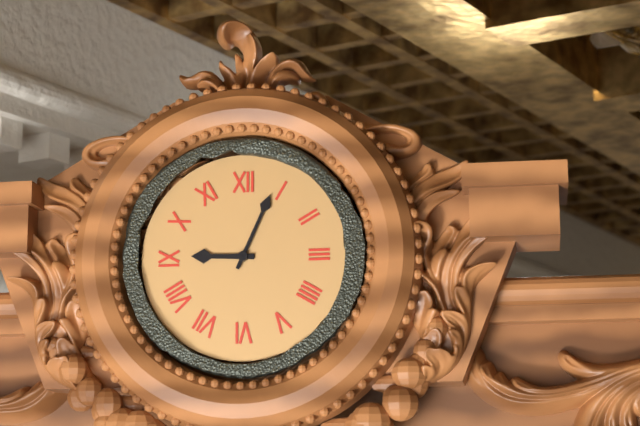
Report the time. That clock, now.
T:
9:04
